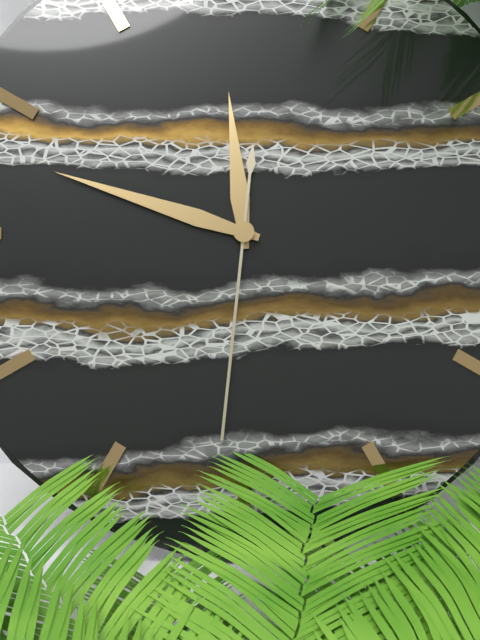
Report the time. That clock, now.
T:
11:48:31
